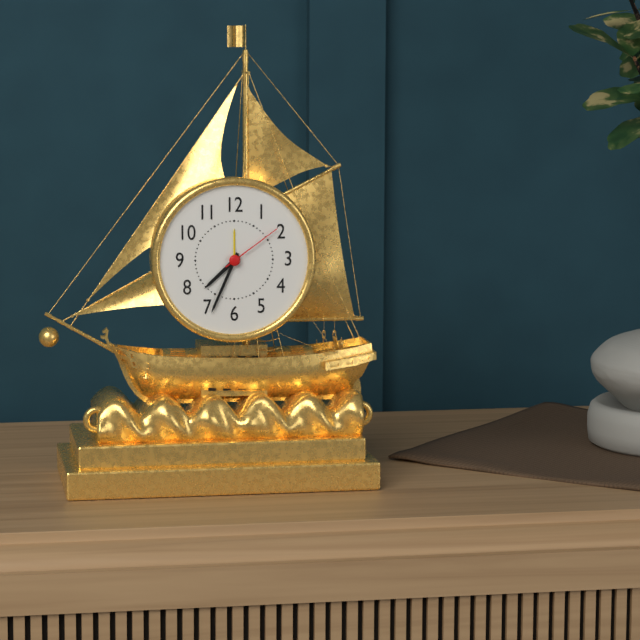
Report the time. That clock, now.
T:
7:34:09
